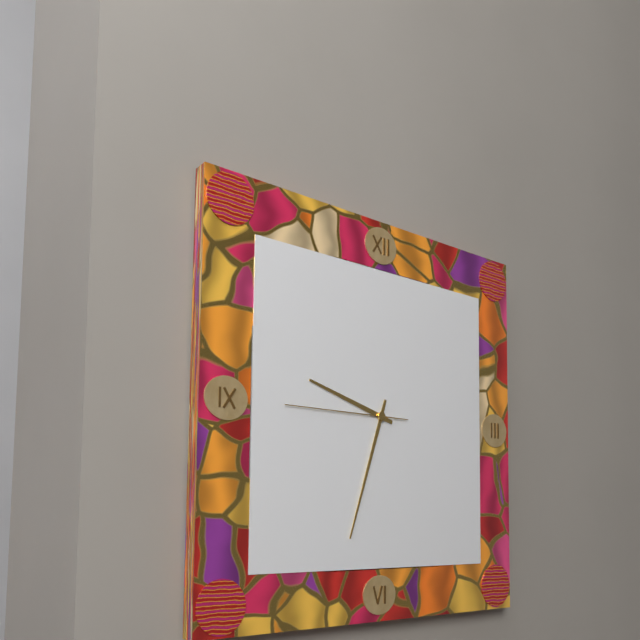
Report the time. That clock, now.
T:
9:33:45
